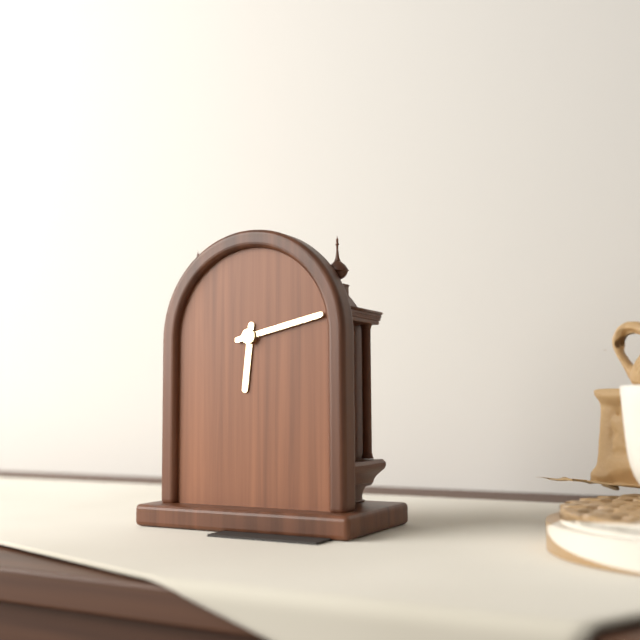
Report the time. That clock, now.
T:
6:13
